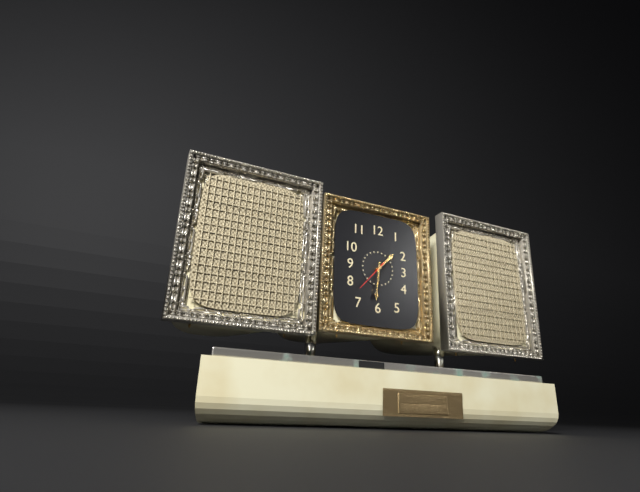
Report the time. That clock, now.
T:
1:31
